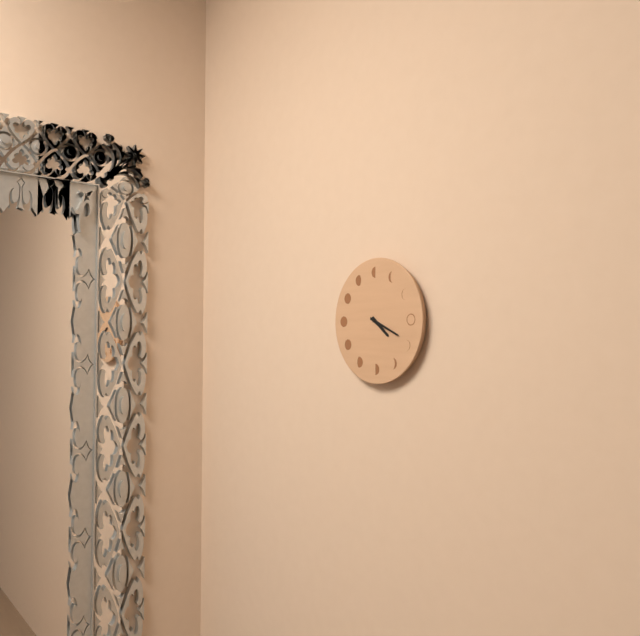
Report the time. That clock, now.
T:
4:19
